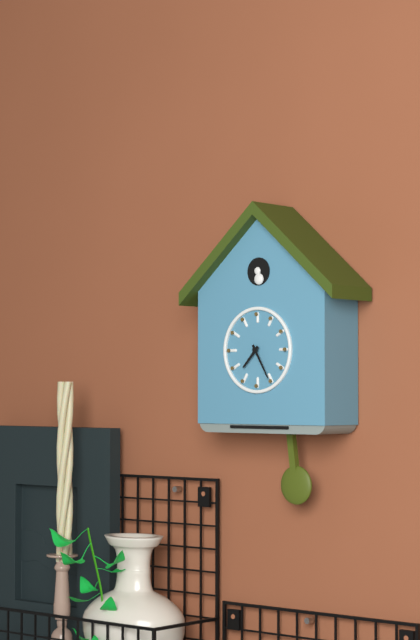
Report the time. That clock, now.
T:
7:25
